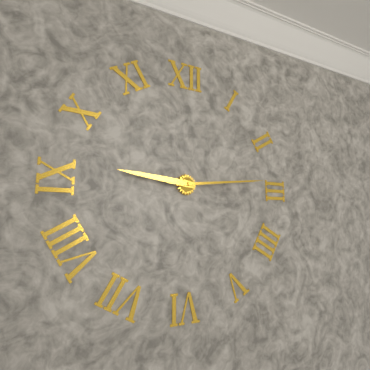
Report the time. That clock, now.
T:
9:14
